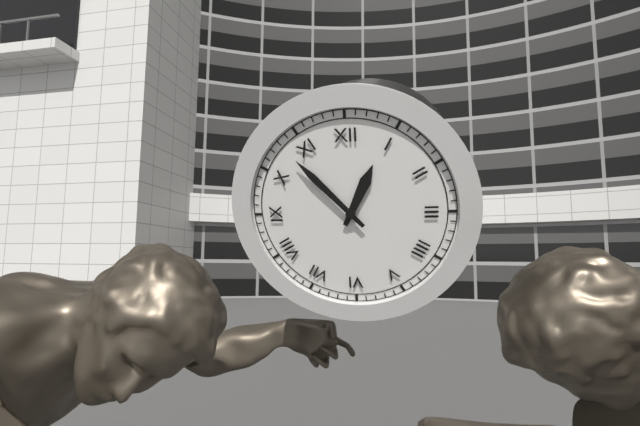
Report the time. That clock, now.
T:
12:53
